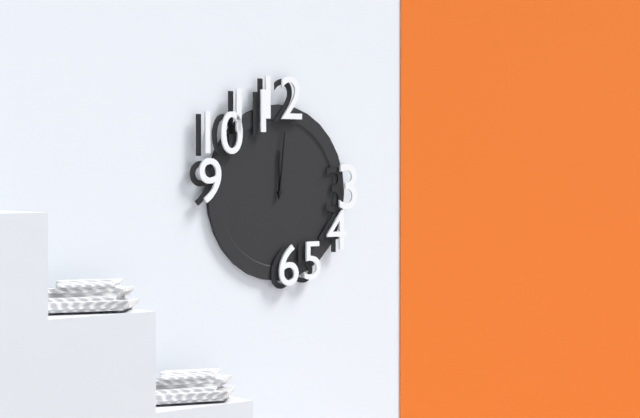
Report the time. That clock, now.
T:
12:01
